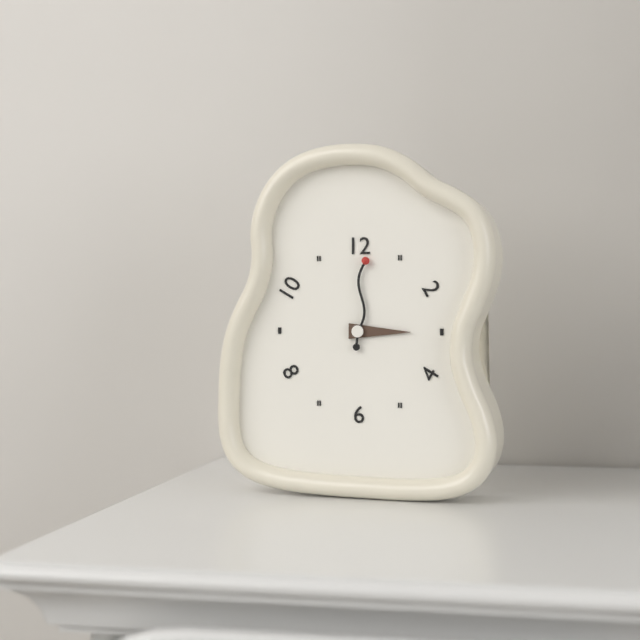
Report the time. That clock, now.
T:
3:01
